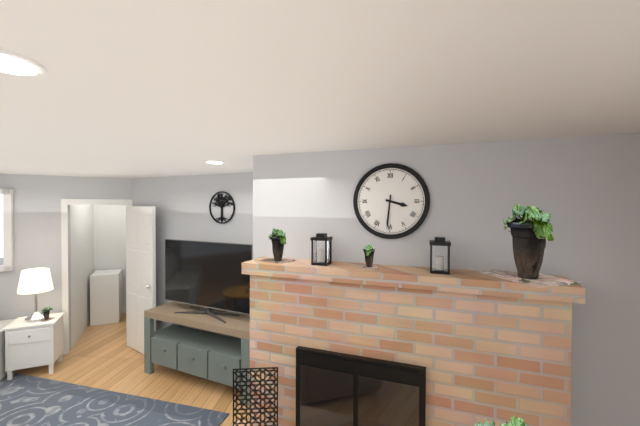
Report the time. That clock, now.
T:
3:31
